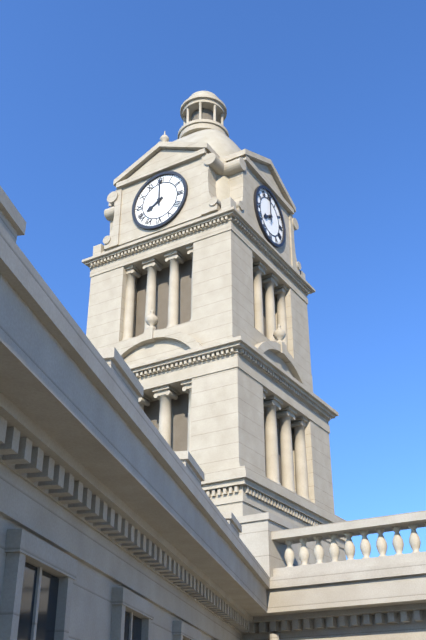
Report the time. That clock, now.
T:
8:00
